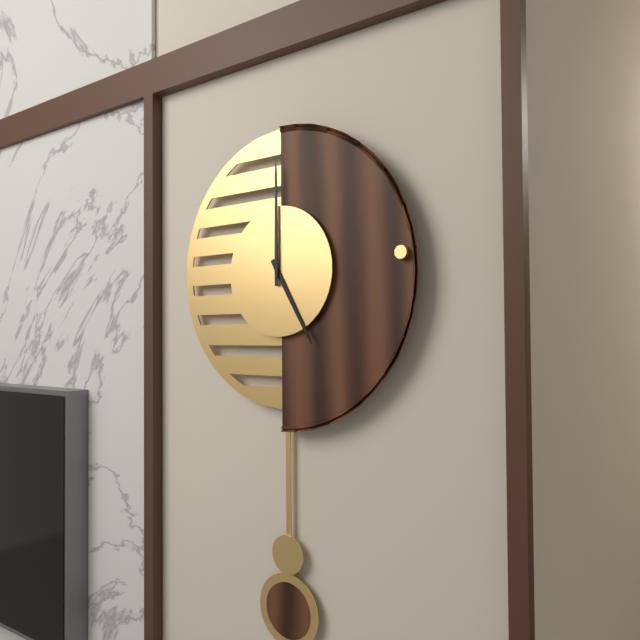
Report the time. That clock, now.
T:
5:00
